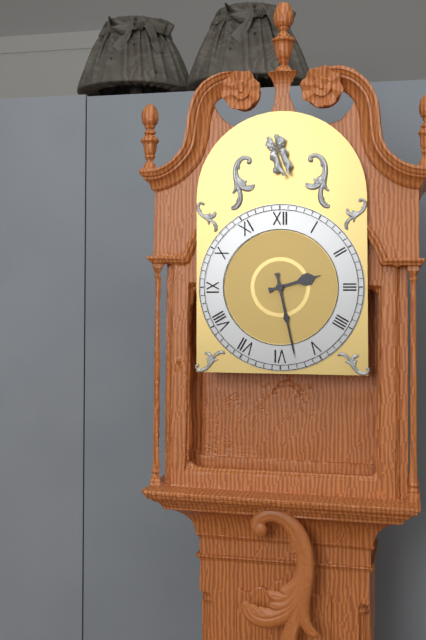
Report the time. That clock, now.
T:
2:28
